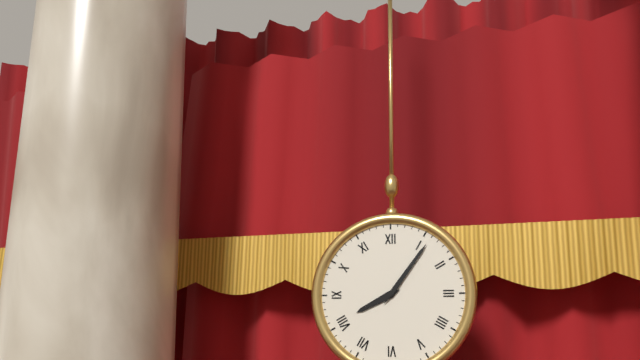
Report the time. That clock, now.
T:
8:06
